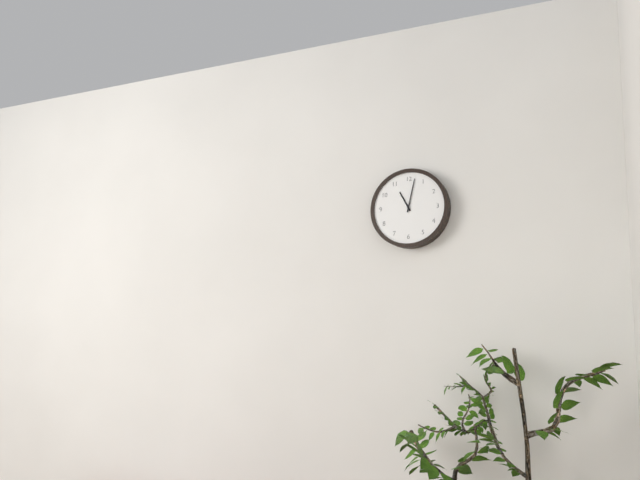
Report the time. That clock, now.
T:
11:02
